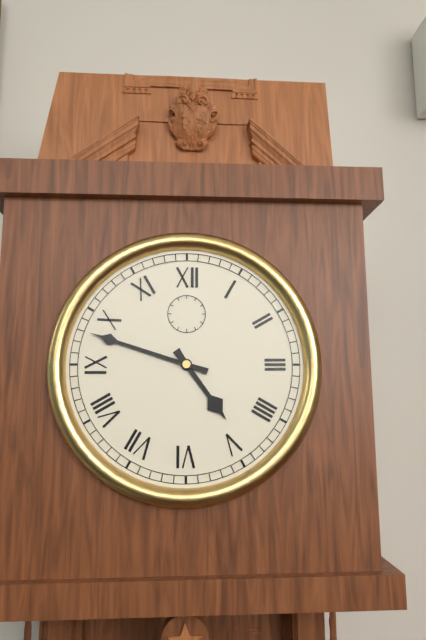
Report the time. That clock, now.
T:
4:48
